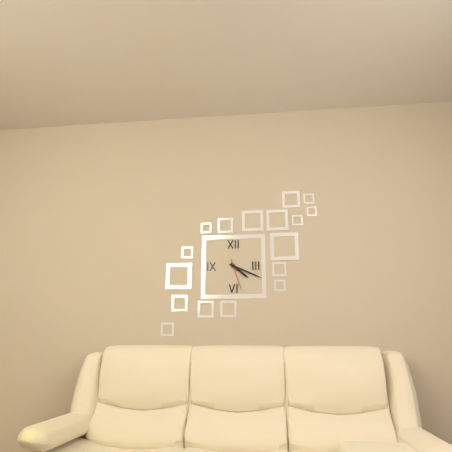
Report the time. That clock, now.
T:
4:19
